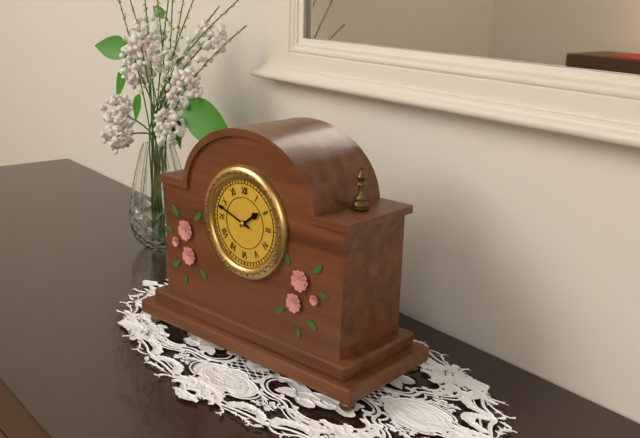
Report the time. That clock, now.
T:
1:48
